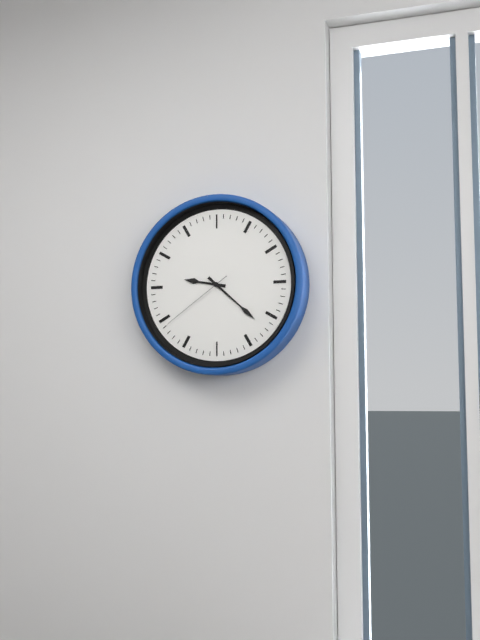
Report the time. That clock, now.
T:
9:22:39
